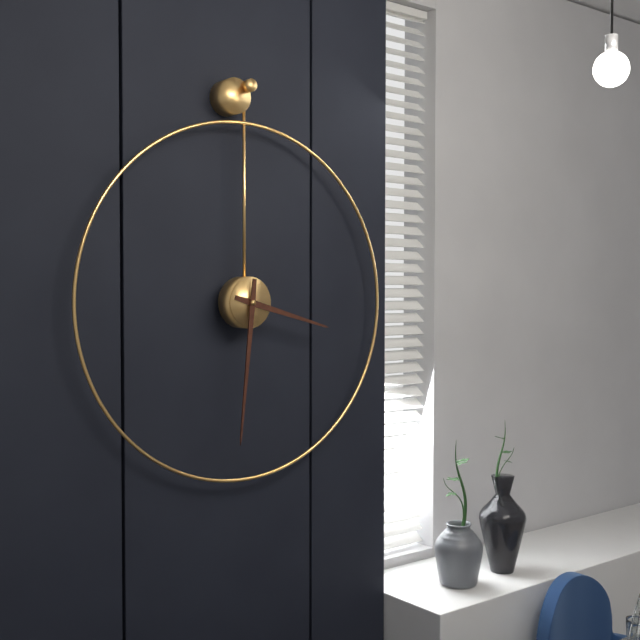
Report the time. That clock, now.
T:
3:31
